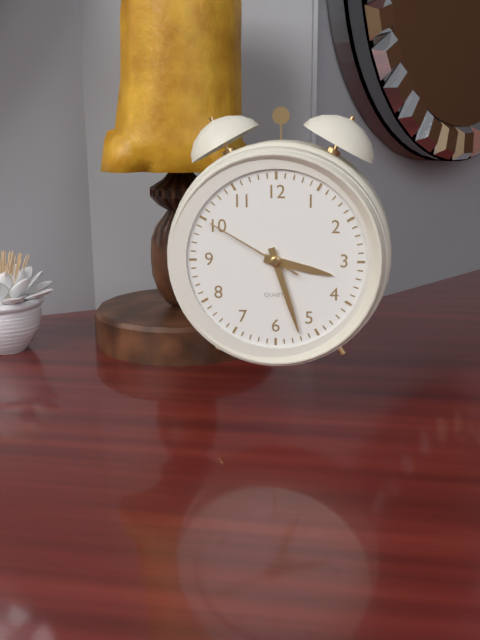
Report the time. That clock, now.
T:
3:27:50
